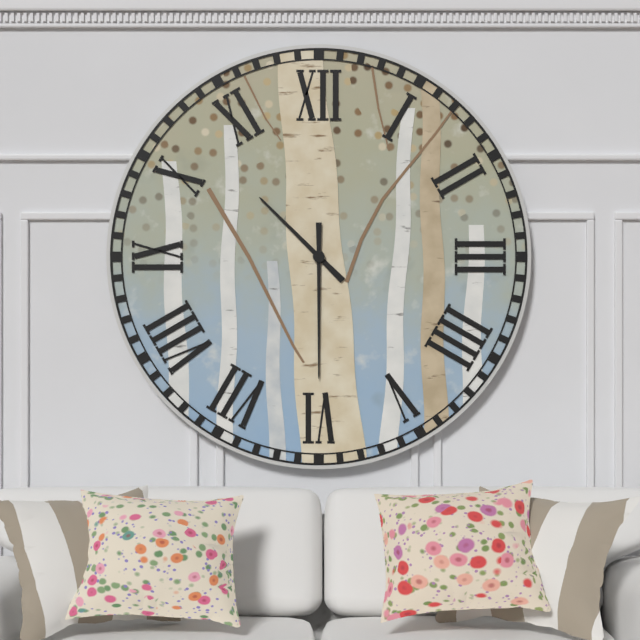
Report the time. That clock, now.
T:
10:30
